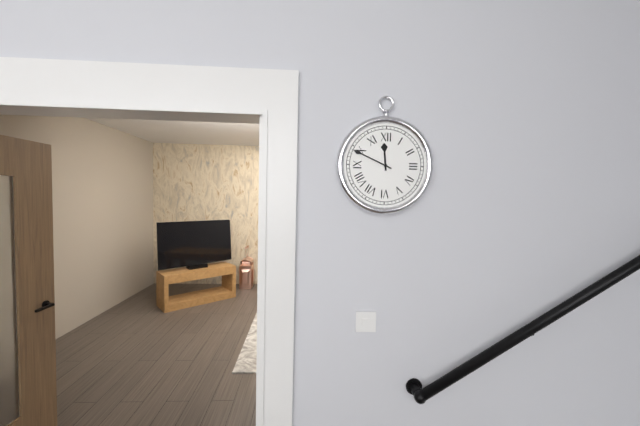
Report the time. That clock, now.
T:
11:49
